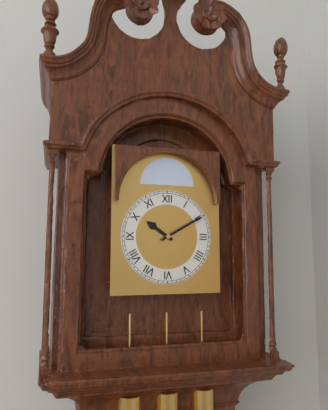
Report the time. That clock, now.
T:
10:10
